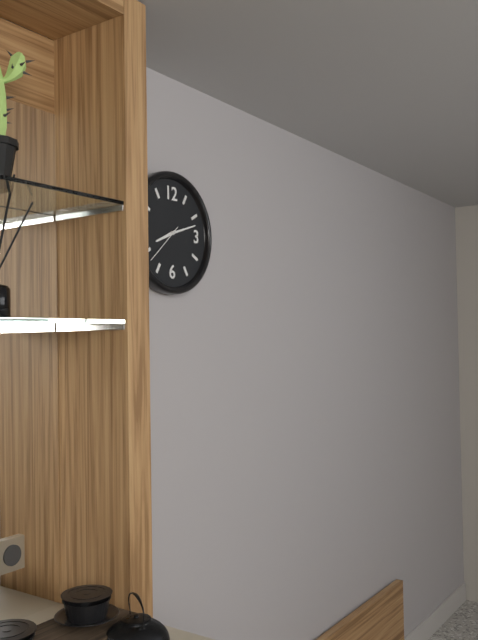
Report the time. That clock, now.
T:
8:12
